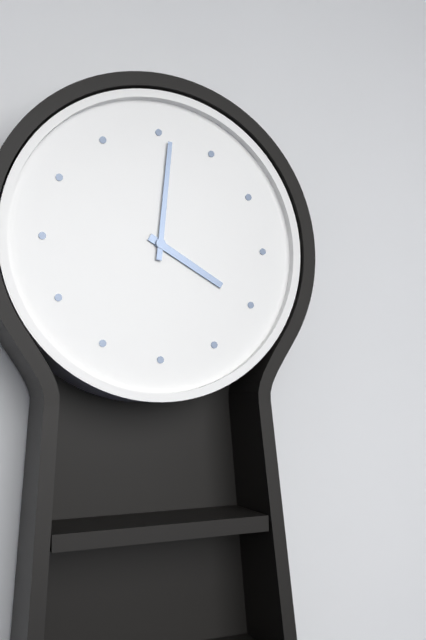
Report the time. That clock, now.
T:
4:01
